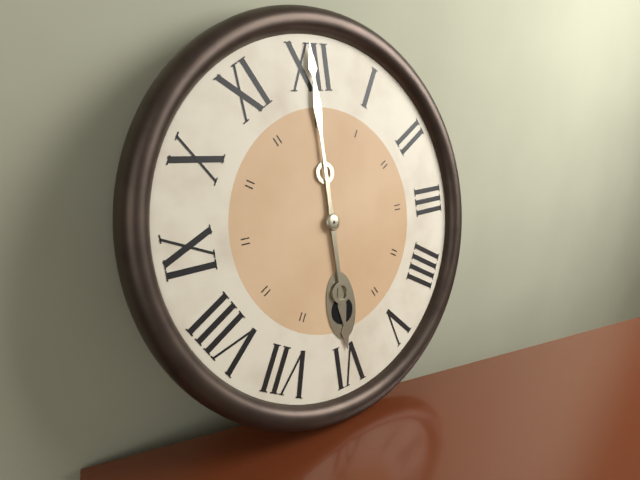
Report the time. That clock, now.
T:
6:00
